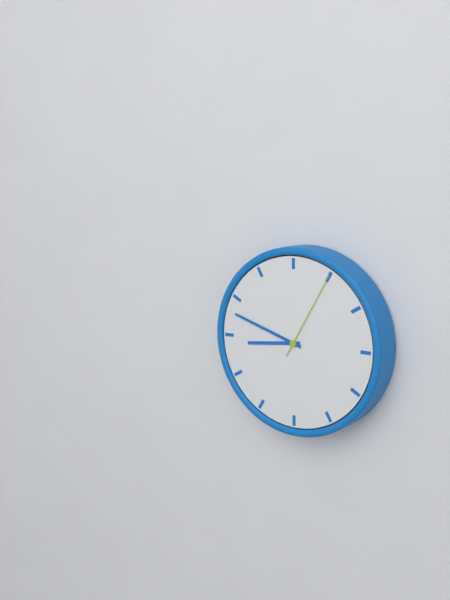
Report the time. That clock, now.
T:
8:48:05
